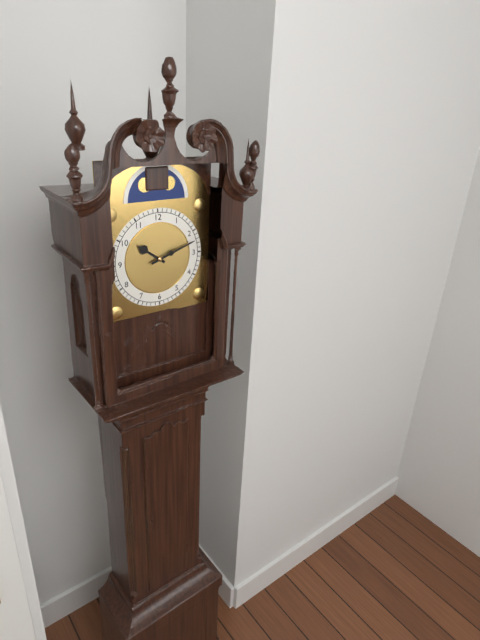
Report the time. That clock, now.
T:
10:12
